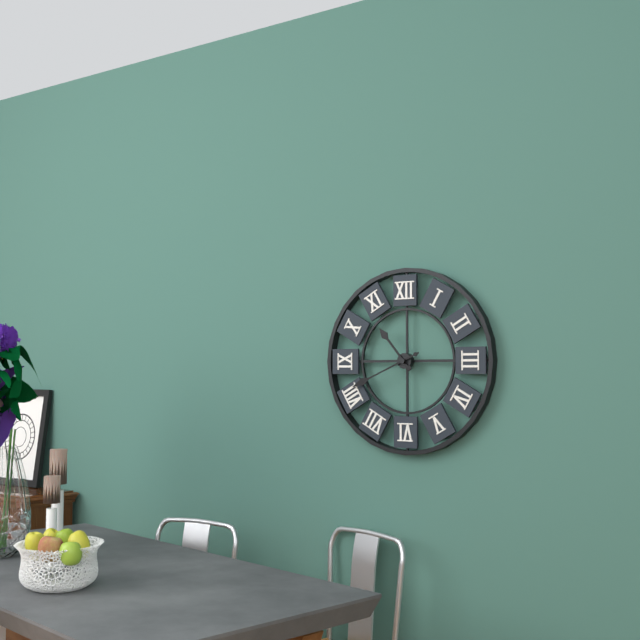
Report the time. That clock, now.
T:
10:41
